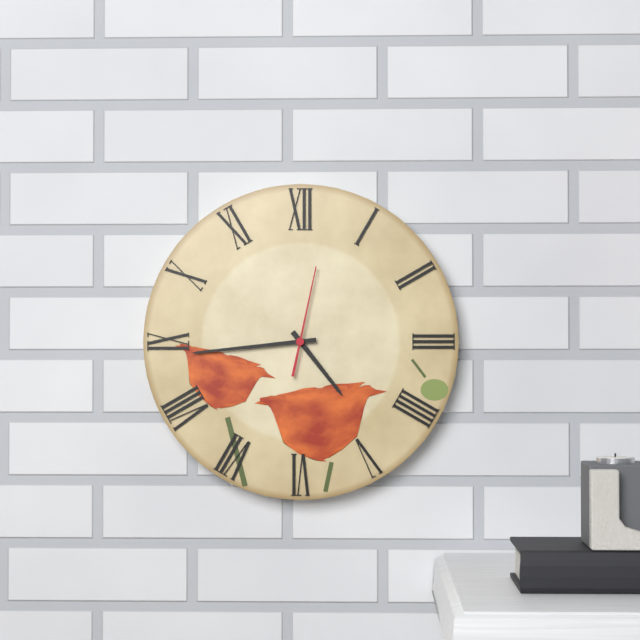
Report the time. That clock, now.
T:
4:44:02
